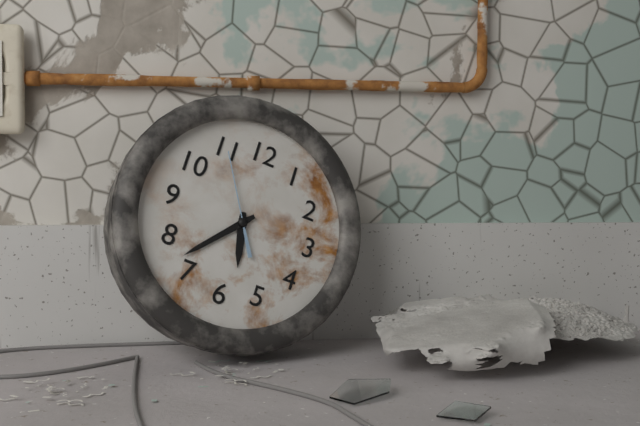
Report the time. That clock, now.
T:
5:37:55
